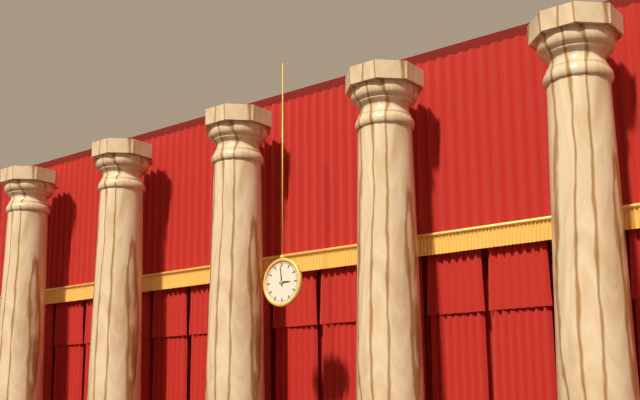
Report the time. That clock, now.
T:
2:59
